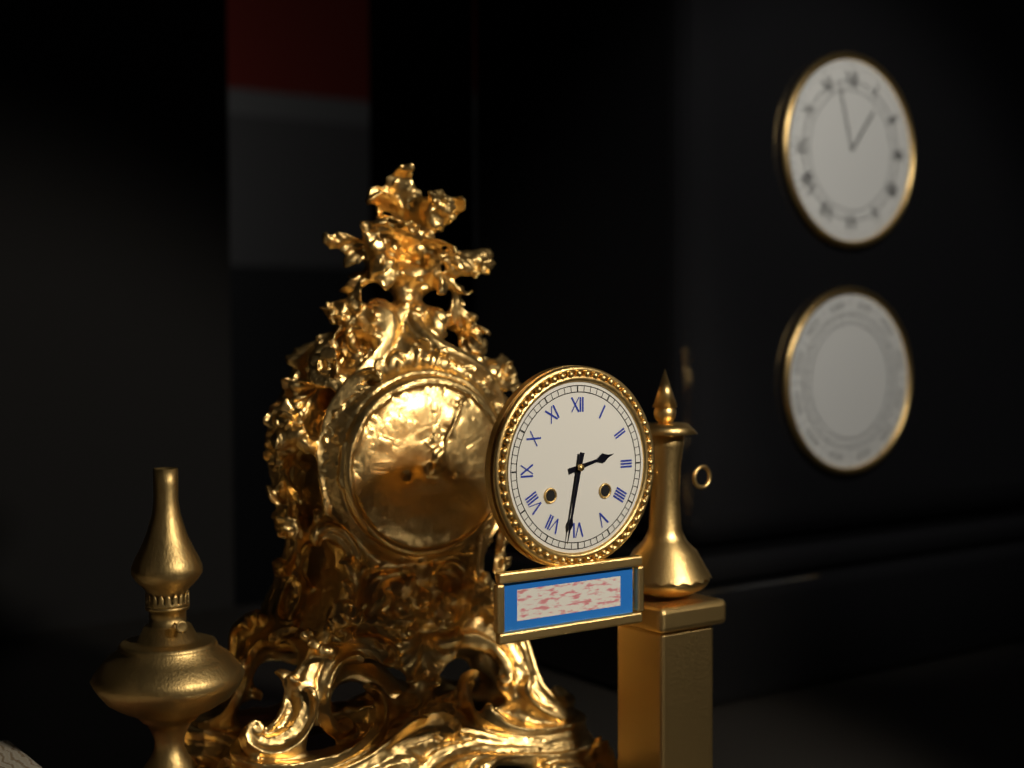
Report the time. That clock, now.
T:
2:32
